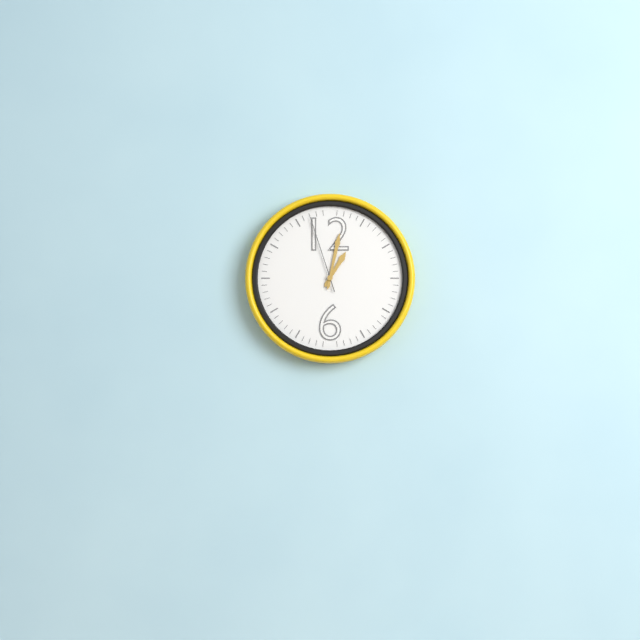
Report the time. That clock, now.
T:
1:02:57
